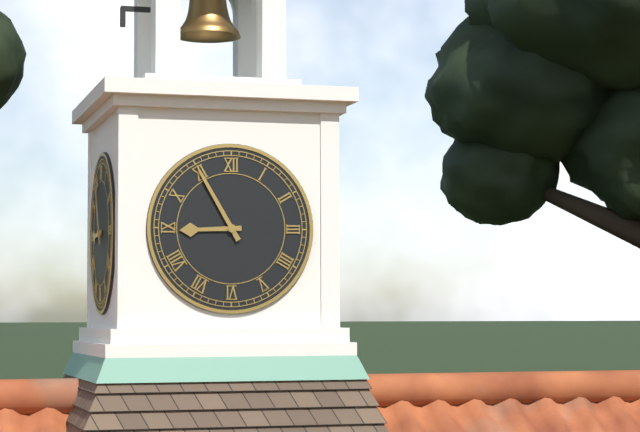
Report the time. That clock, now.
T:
8:55
